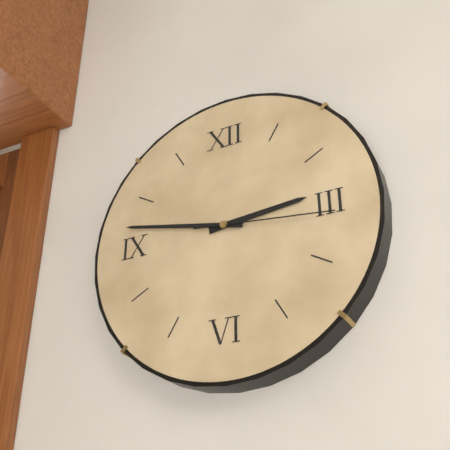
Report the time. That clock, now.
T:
2:47:16
